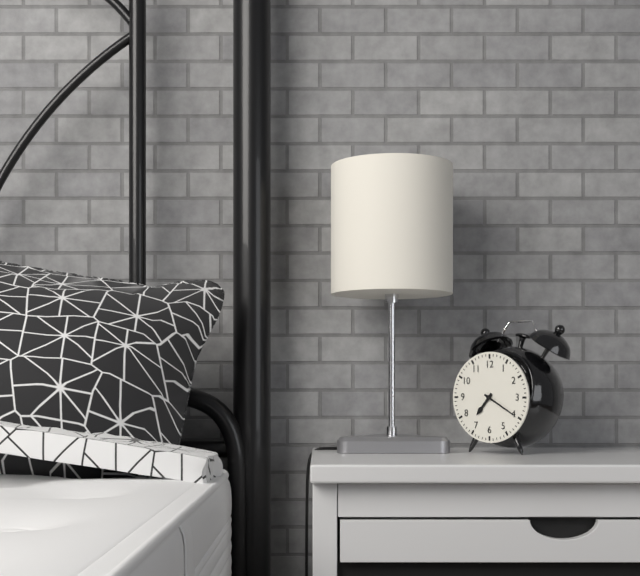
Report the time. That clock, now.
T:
7:20
